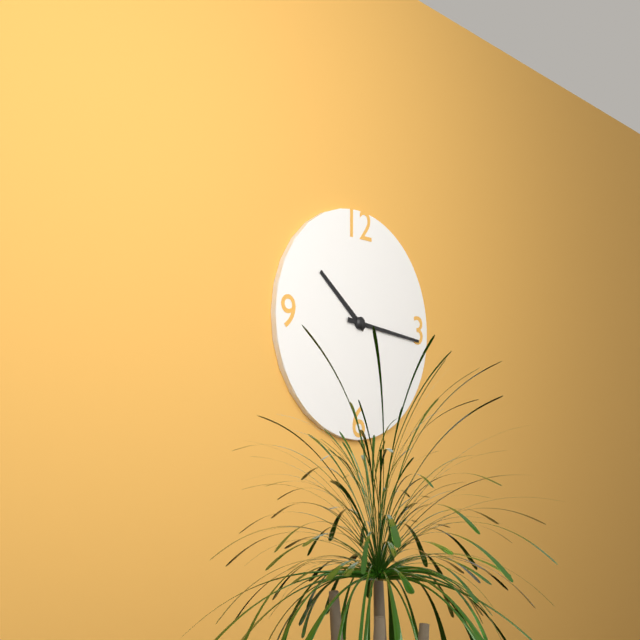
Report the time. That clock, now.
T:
10:16
